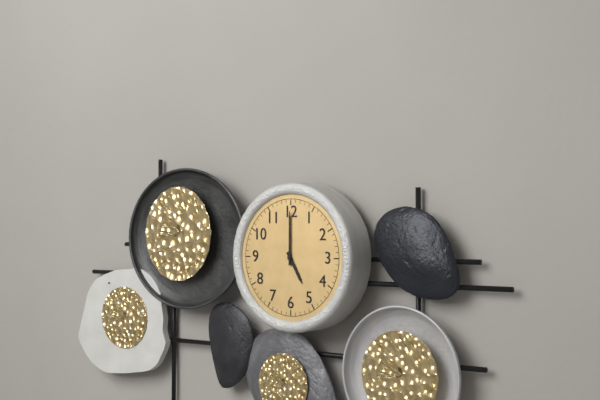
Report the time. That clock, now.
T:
5:00
